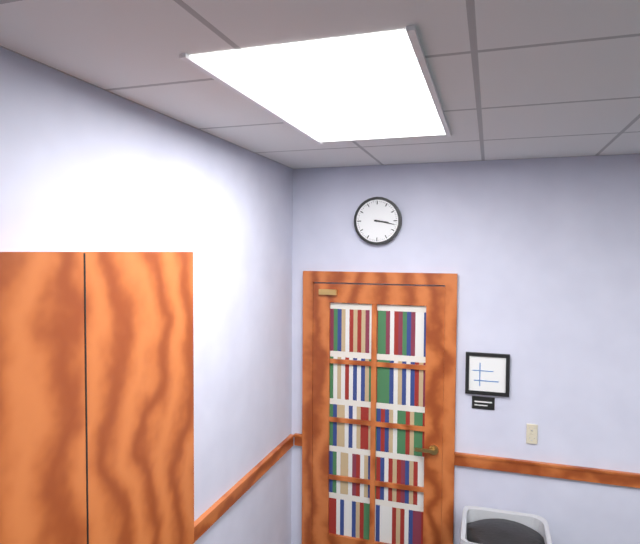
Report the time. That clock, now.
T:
3:17
